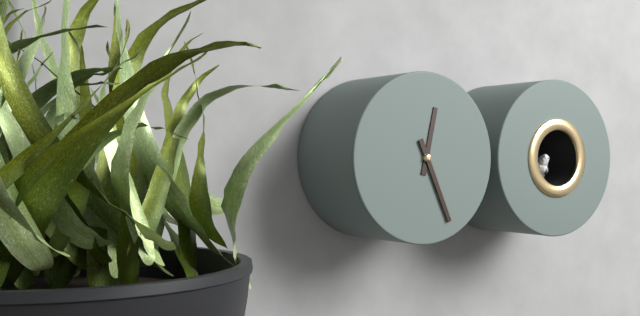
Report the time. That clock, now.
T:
12:26
